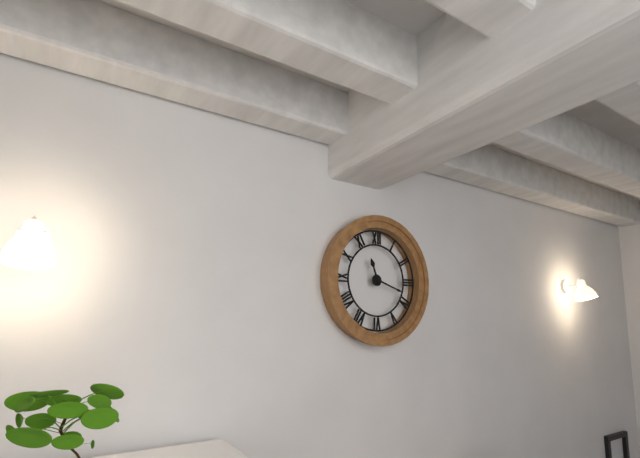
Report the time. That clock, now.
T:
11:18
